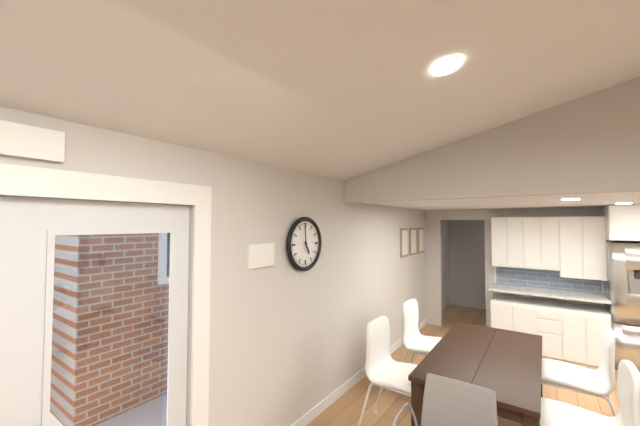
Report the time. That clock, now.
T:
4:59
